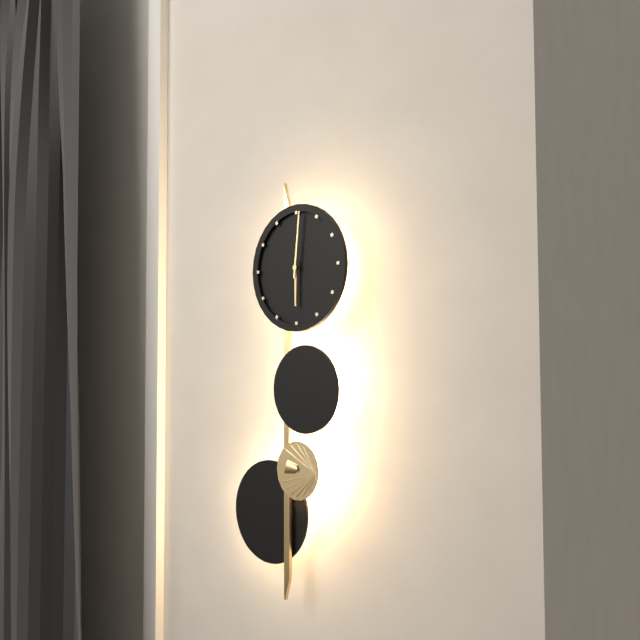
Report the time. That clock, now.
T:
6:01
